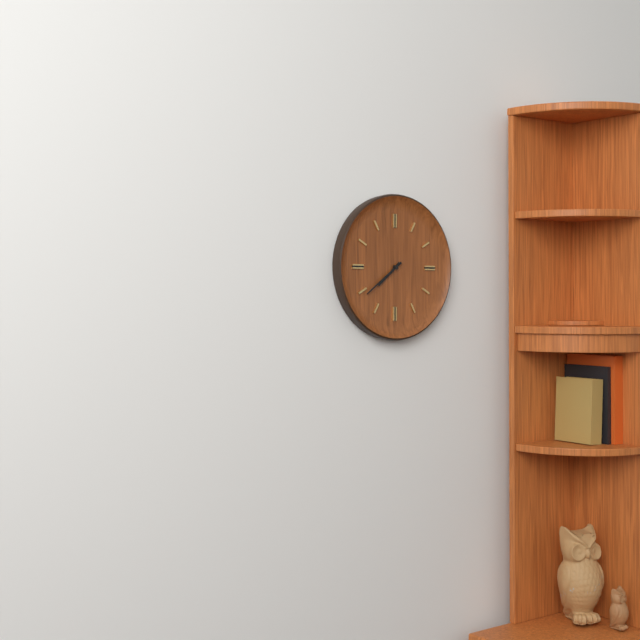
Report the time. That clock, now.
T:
7:39
